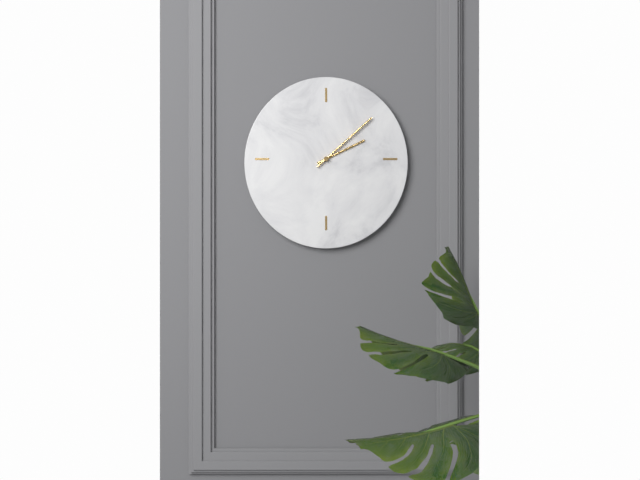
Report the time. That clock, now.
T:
2:08
